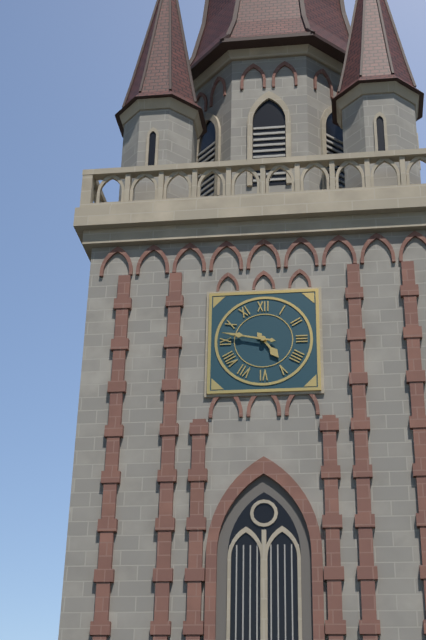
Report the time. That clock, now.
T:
4:47
